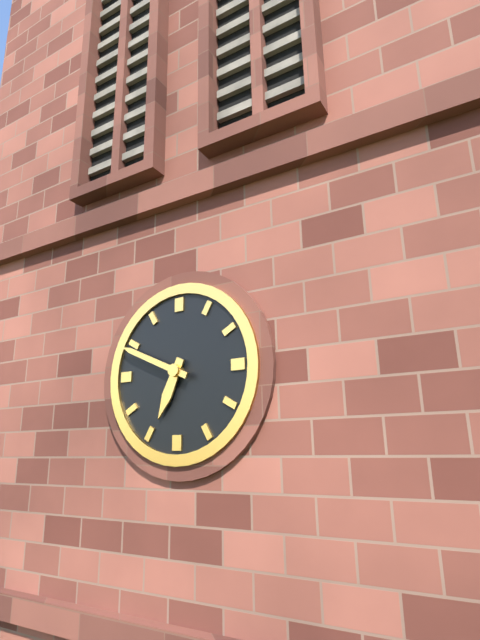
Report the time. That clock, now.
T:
6:49
